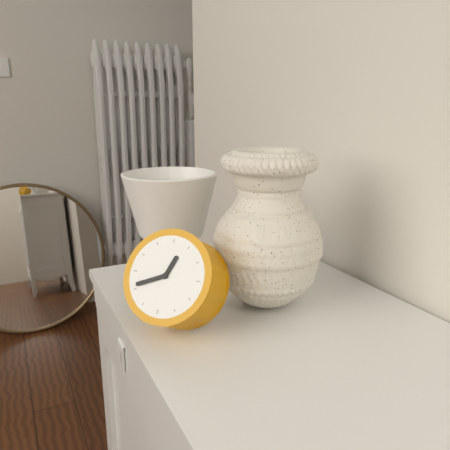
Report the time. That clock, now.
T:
12:41
